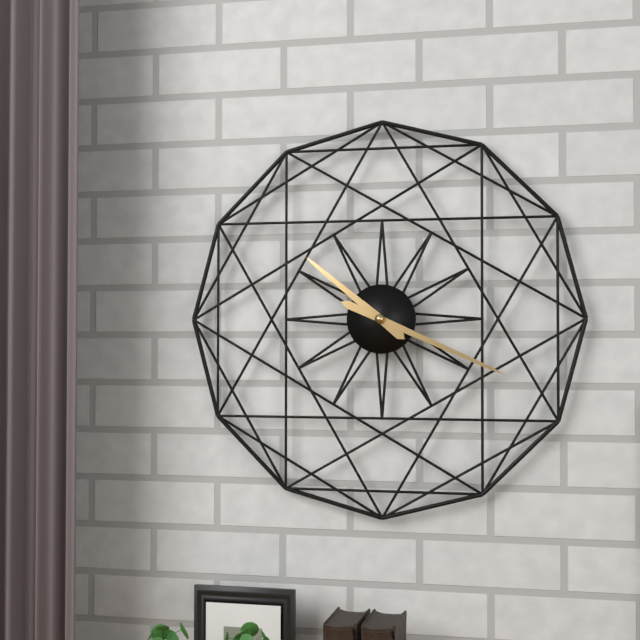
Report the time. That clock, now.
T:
10:19
